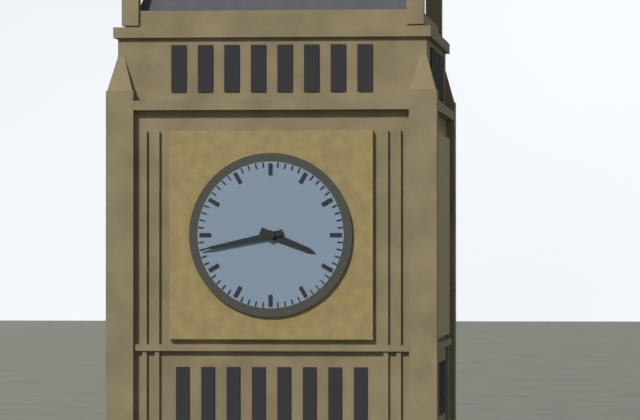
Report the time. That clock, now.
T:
3:43
